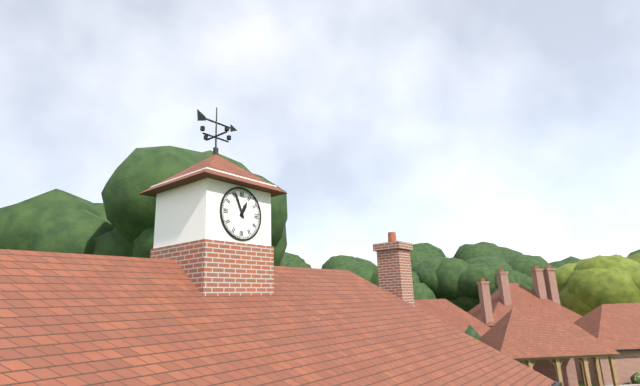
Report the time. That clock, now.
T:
12:56
